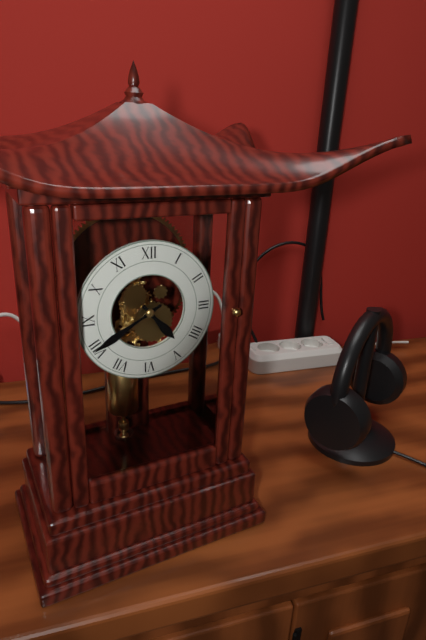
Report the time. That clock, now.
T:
4:40
